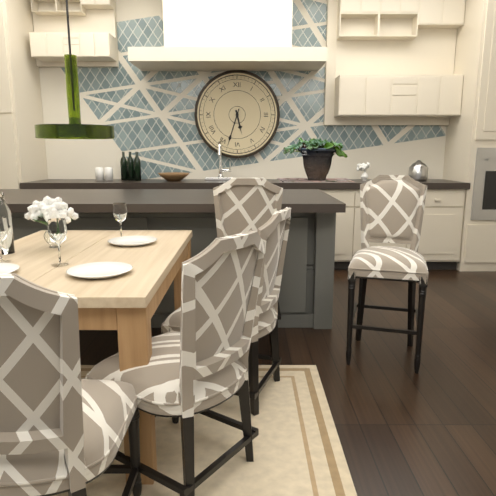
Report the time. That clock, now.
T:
5:33
